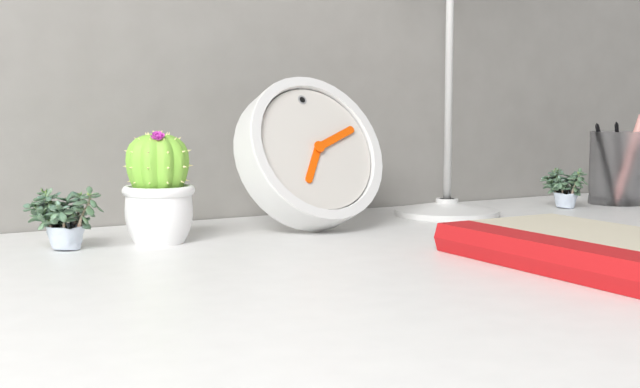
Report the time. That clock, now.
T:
7:12
